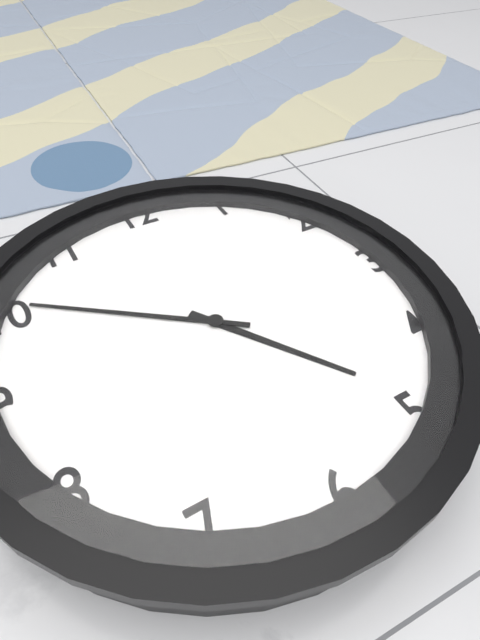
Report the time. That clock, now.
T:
4:51
